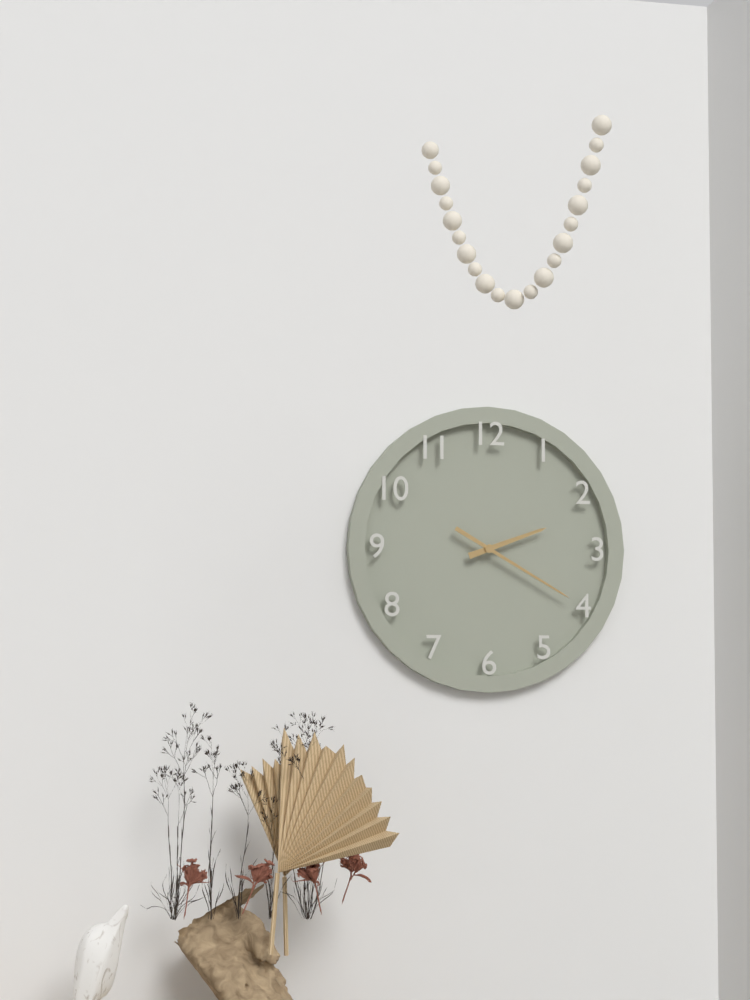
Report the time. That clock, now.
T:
2:20
